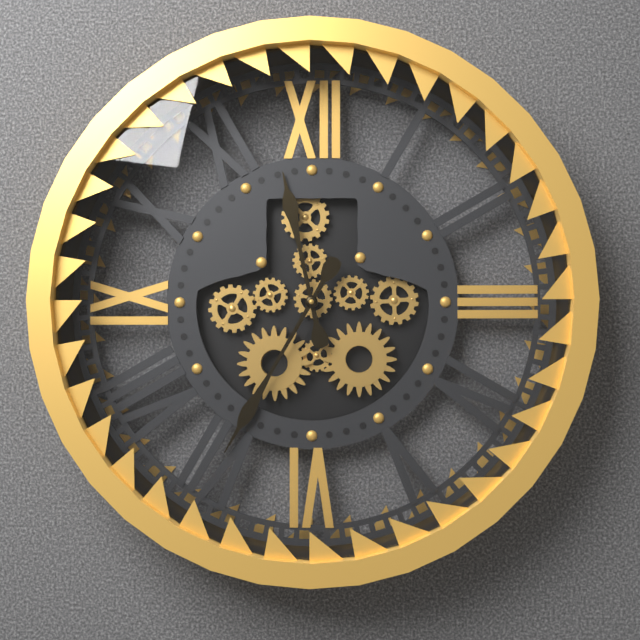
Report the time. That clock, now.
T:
11:35
